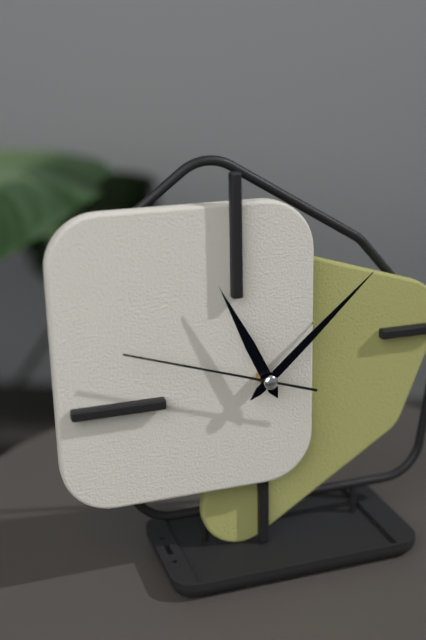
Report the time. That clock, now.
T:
11:08:48
